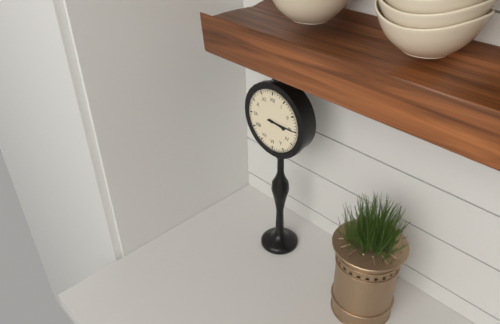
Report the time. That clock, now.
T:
3:15
